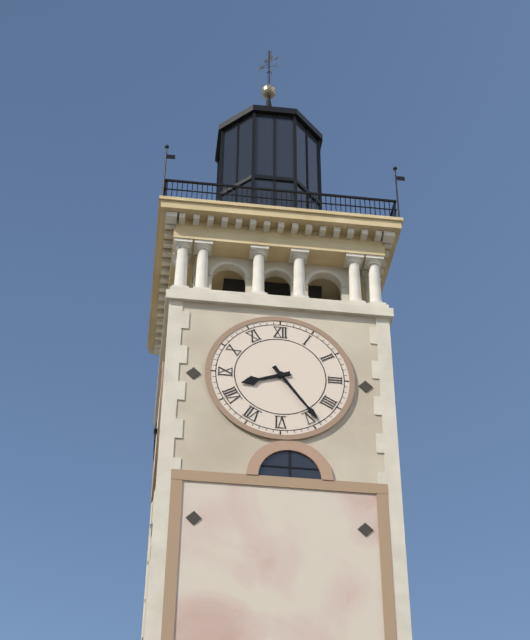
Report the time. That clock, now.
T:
8:24
